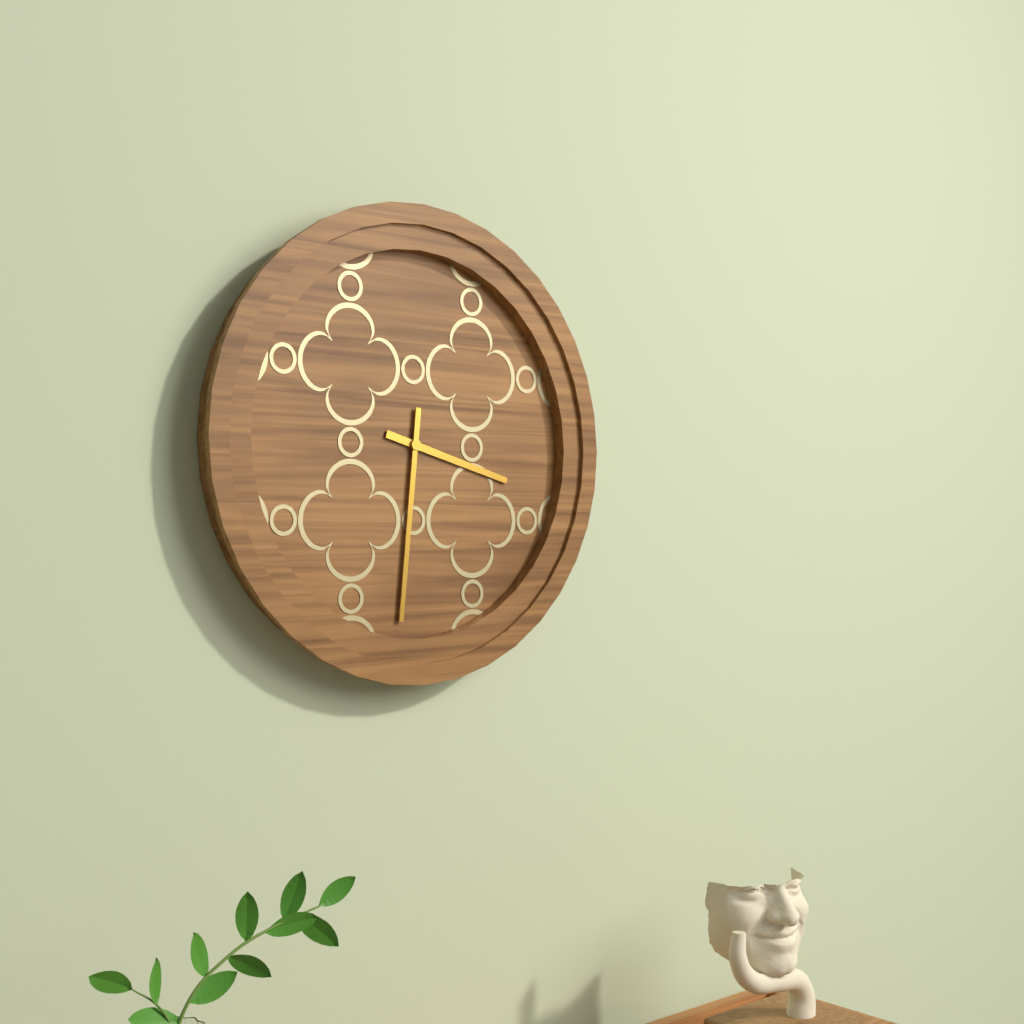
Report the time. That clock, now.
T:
3:31
